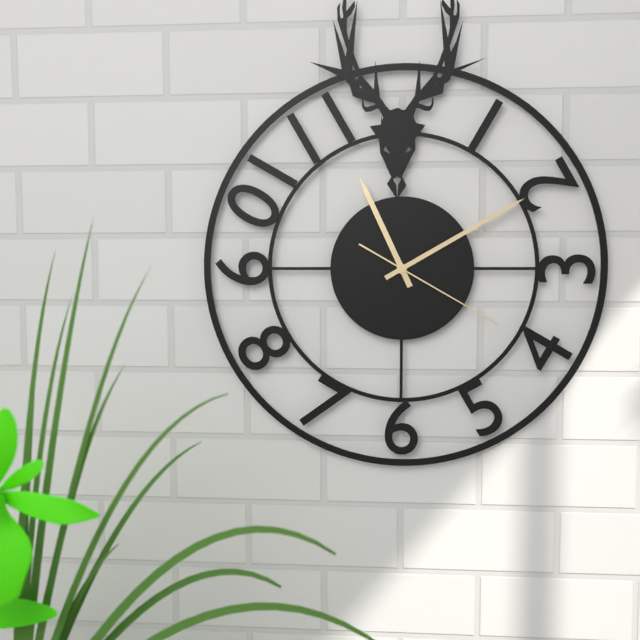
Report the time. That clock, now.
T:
11:10:20
